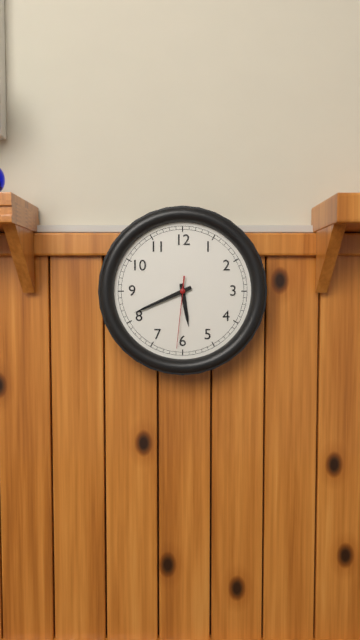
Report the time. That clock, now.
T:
5:41:31
